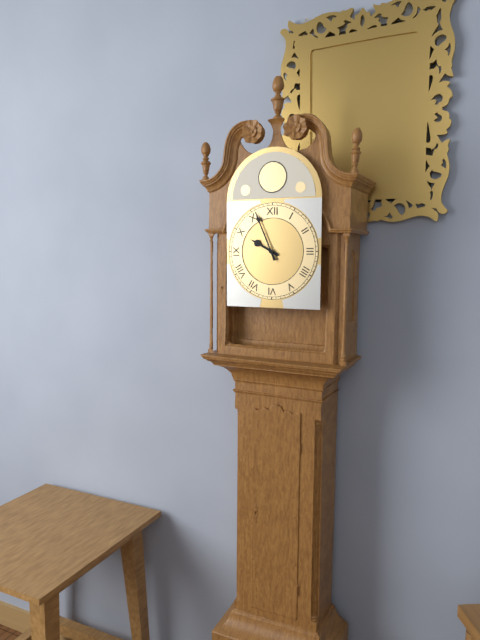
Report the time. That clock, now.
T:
9:56
